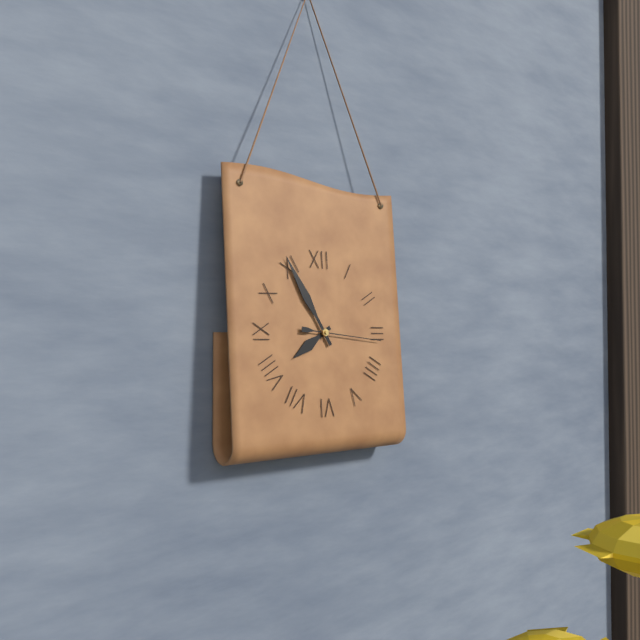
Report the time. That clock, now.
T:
7:55:16
